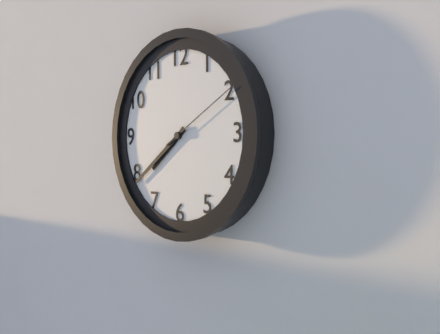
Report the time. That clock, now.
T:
7:39:10
